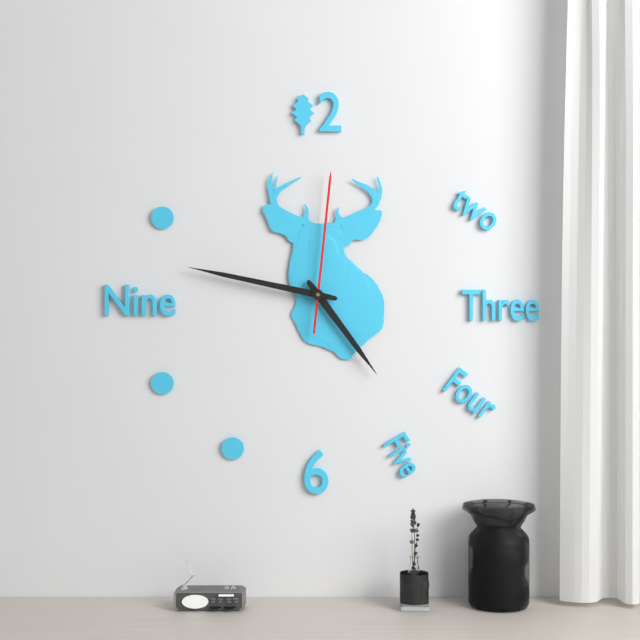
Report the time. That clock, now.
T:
4:47:01
